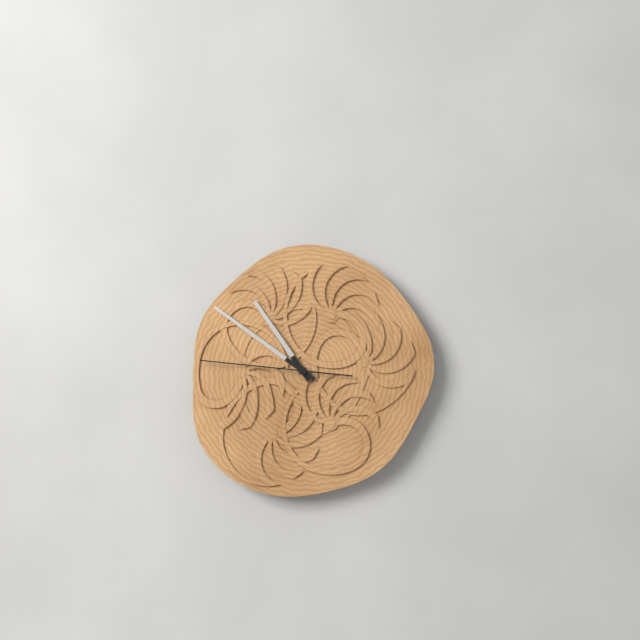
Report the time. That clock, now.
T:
10:51:46
